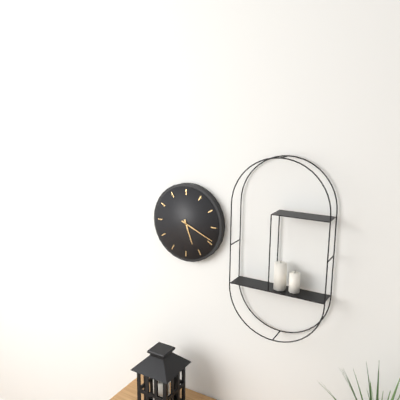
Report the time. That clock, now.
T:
5:19
